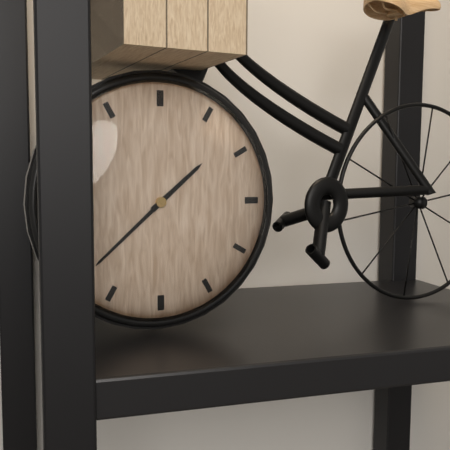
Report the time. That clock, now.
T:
1:38
